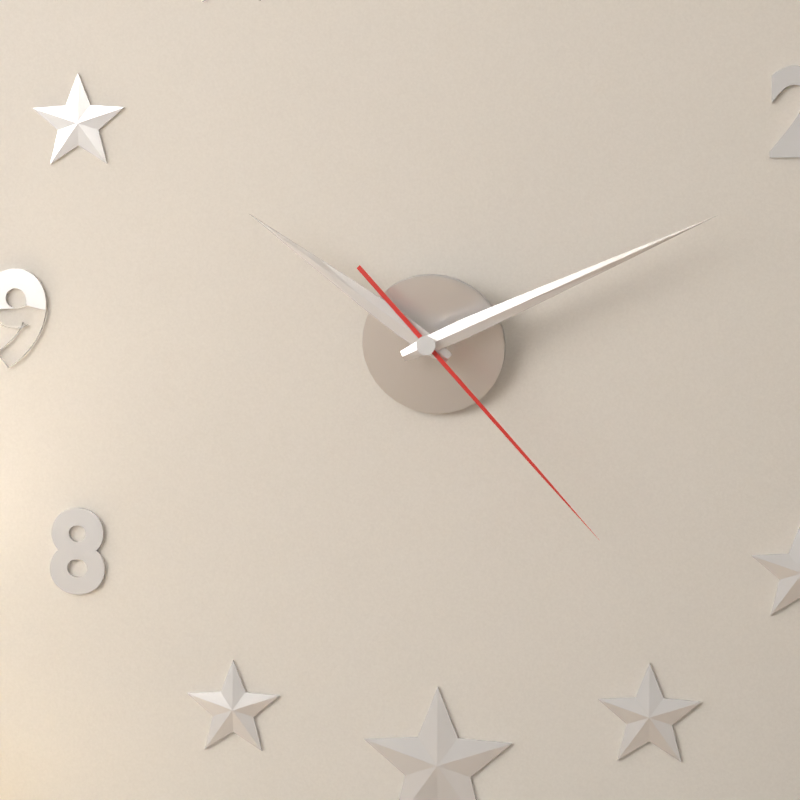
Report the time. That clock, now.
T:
10:11:23
